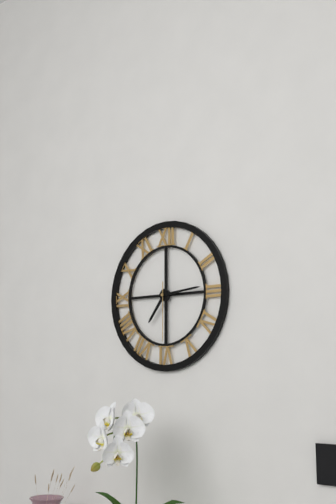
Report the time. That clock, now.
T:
7:14:30
